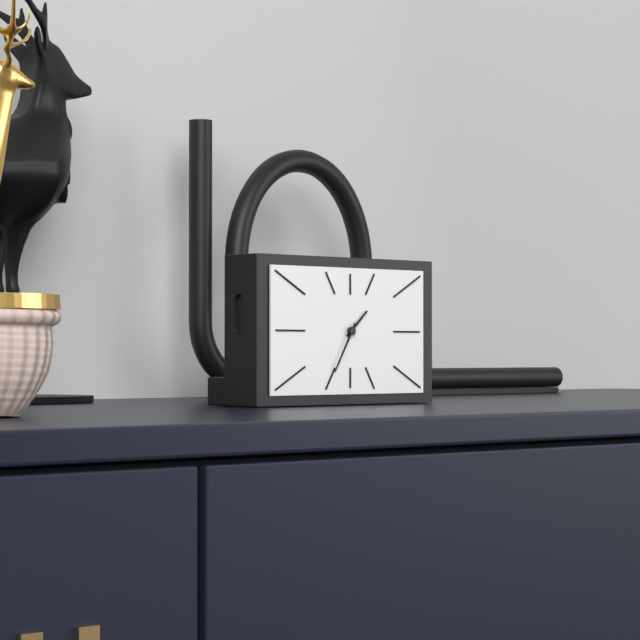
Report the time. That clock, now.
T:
1:35
